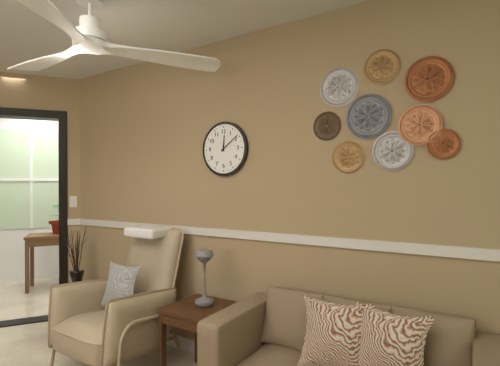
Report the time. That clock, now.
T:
12:09
